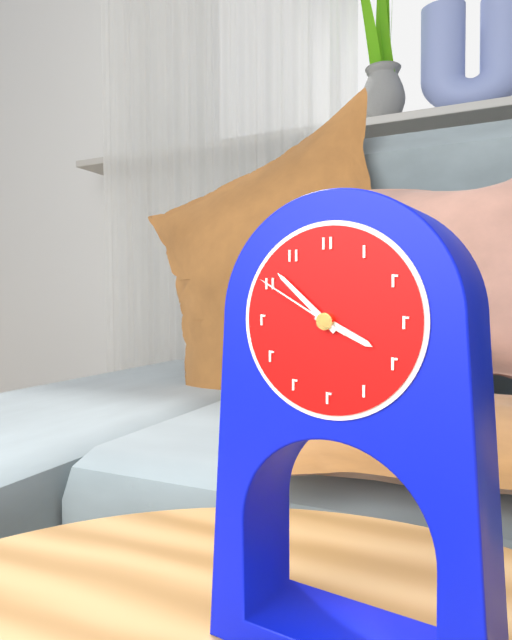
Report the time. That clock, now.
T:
3:52:50
